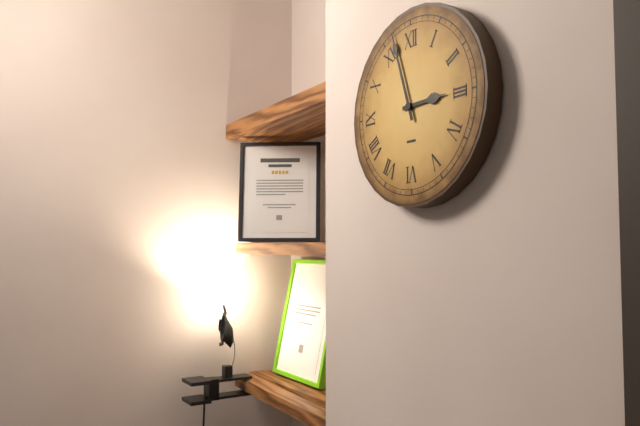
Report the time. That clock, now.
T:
2:57
